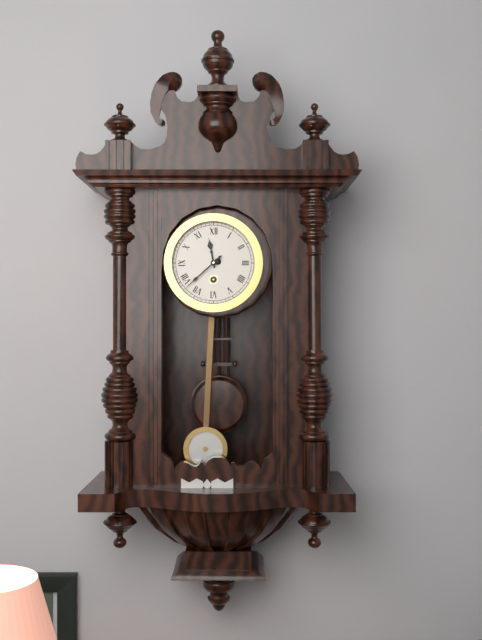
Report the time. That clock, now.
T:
11:38
